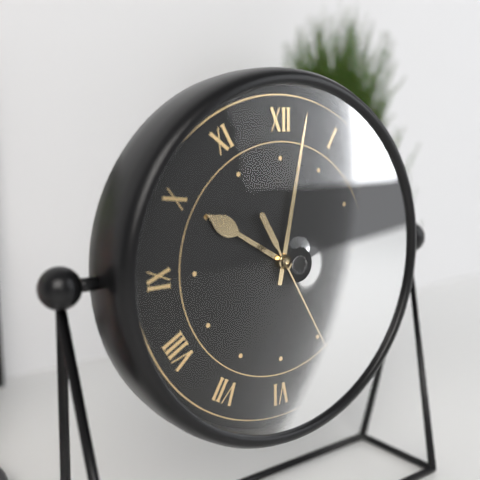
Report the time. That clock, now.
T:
10:02:25
